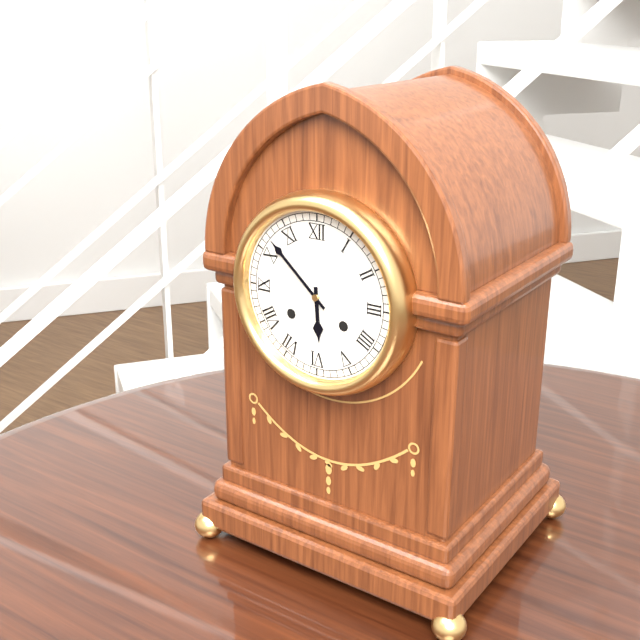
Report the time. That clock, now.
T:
5:52
